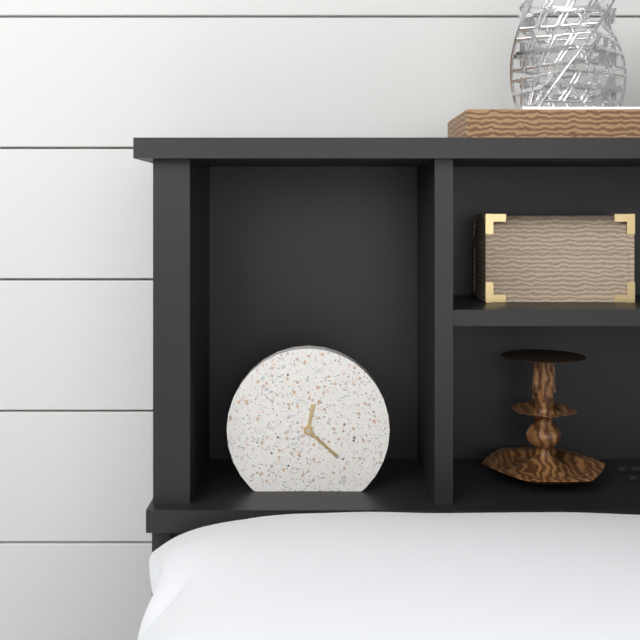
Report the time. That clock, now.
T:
12:22
